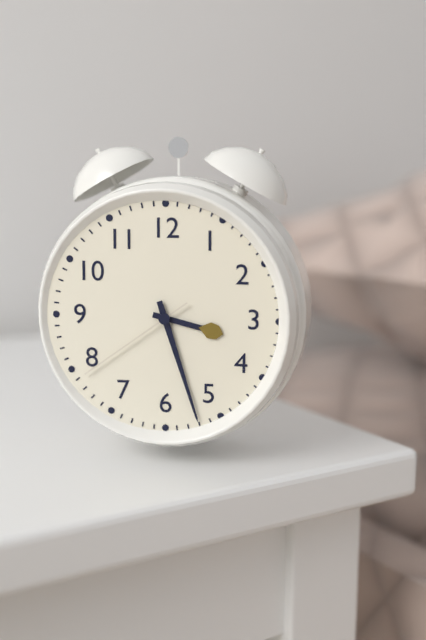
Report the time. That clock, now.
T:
3:27:39
